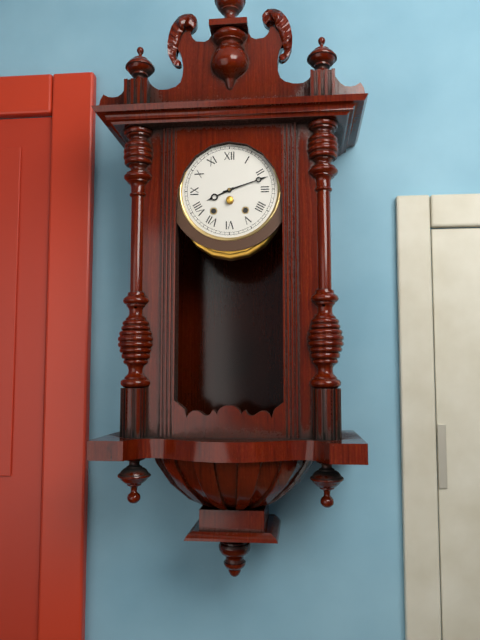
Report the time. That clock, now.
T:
8:12
